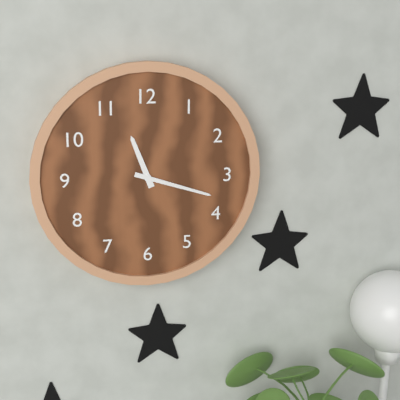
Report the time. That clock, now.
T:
11:18
